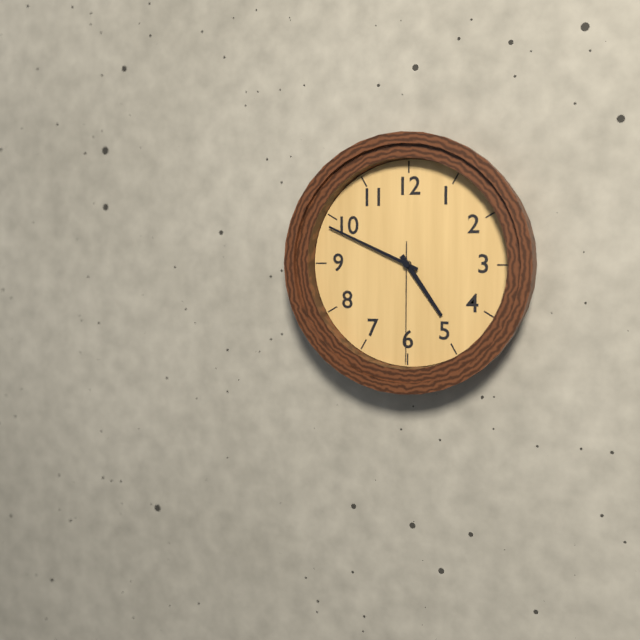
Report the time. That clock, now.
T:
4:49:30
